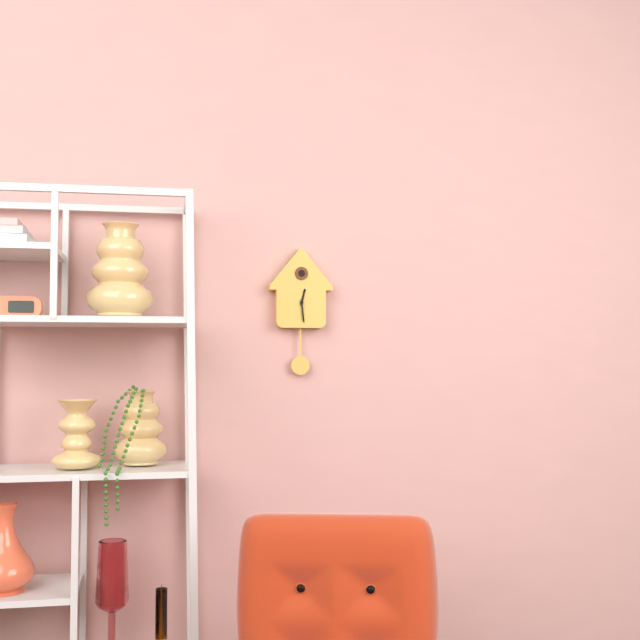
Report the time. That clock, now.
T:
12:29
